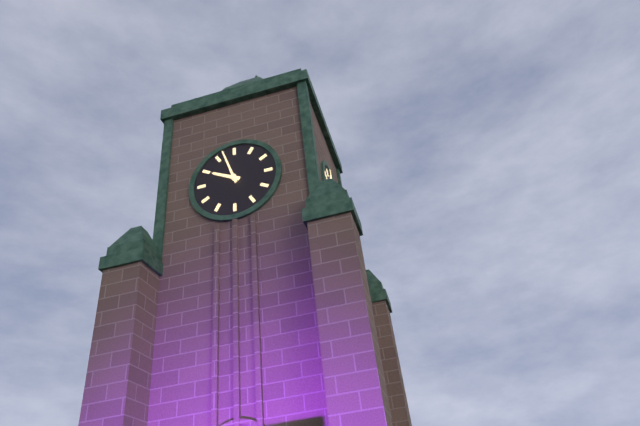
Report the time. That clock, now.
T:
9:57
